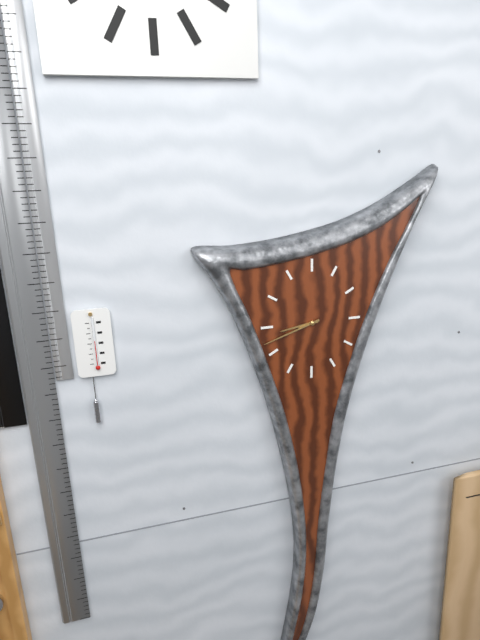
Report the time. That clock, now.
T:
8:42
